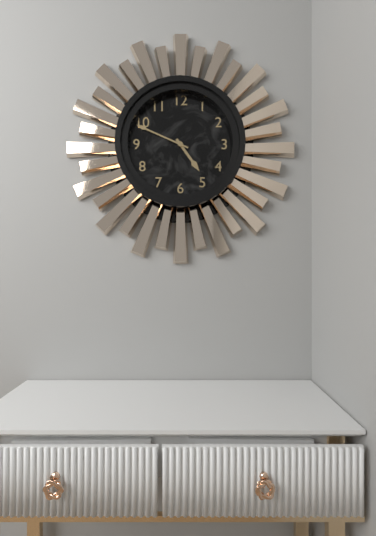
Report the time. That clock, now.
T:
4:49
